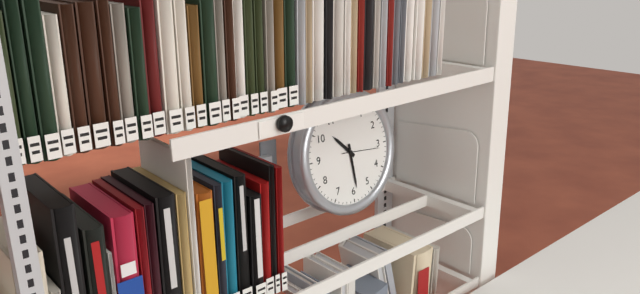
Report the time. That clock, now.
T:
10:29
